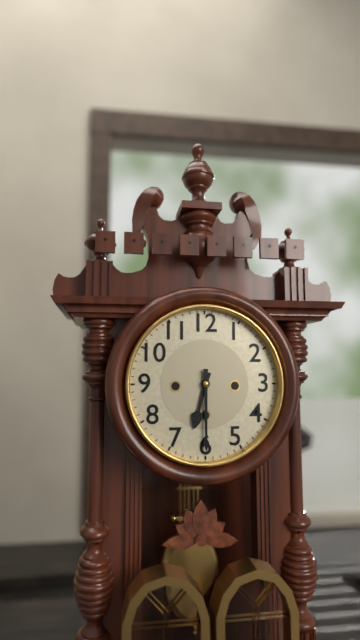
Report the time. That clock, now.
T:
6:30
